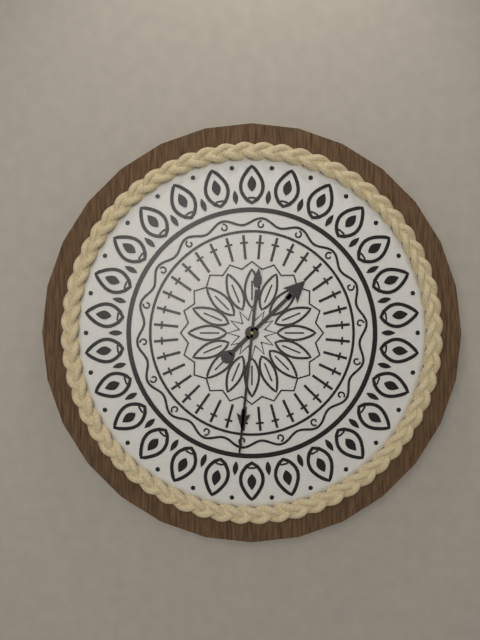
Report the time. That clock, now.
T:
1:31
